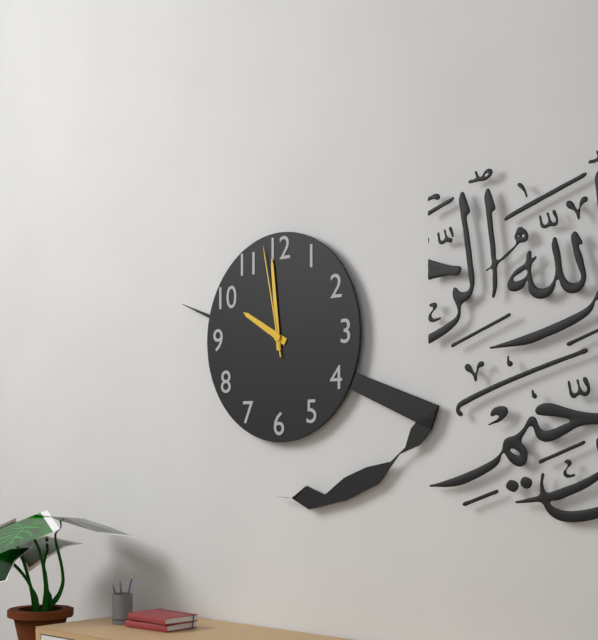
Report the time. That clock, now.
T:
9:59:58
